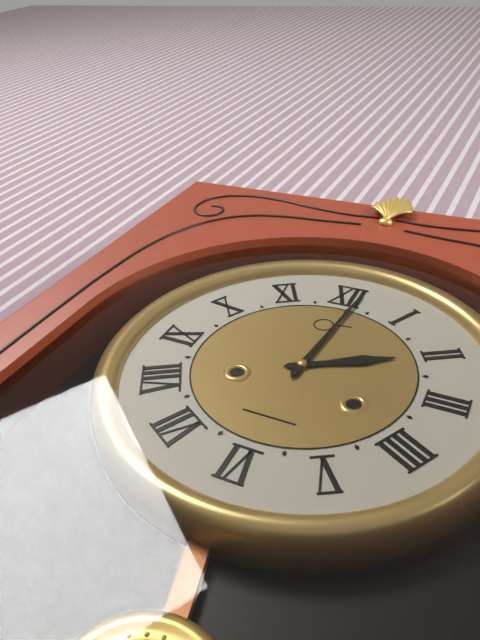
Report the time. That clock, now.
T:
2:01
